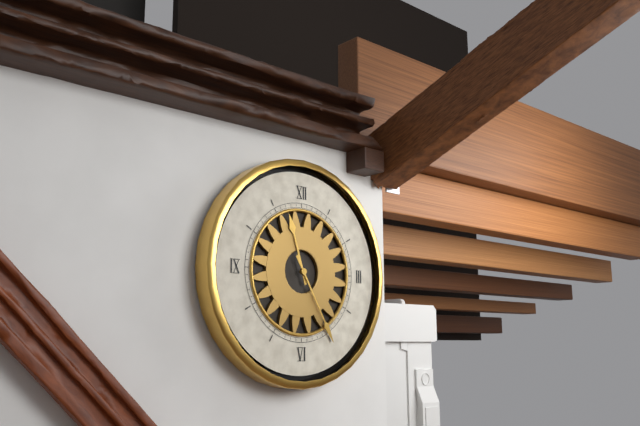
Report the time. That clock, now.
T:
11:25
